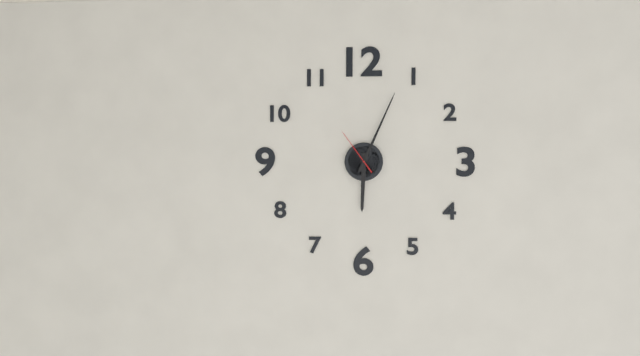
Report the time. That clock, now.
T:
6:04
